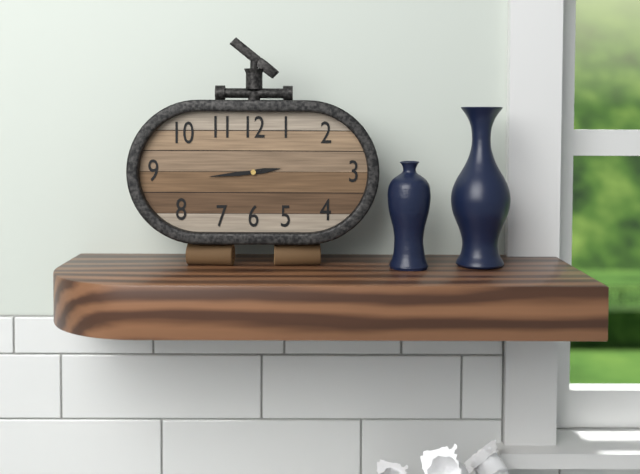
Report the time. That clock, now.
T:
2:44
